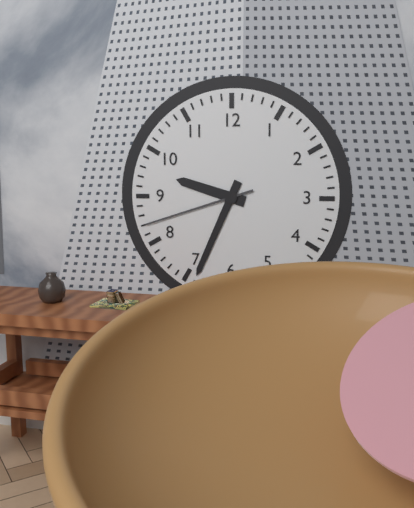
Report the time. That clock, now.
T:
9:34:42
